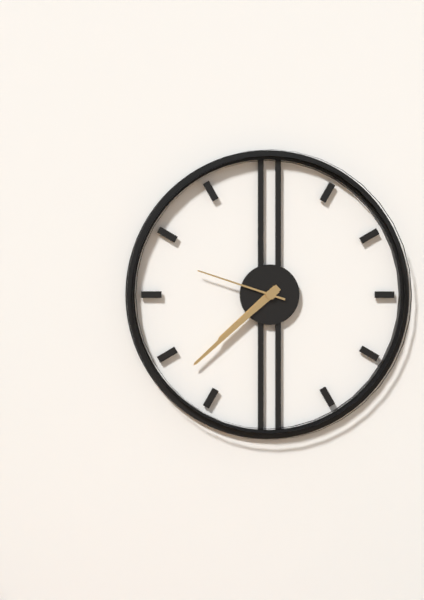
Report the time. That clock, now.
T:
7:38:48
